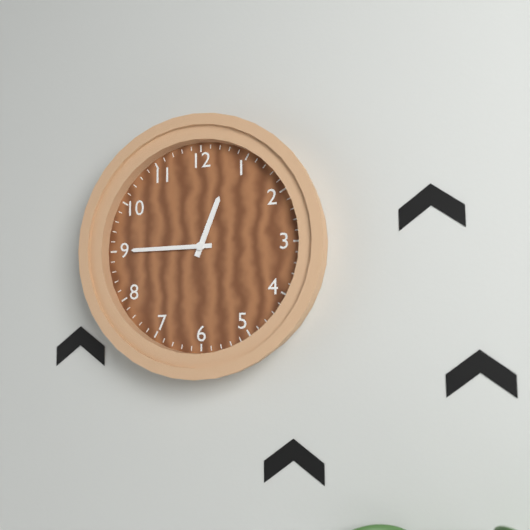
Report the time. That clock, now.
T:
12:45
